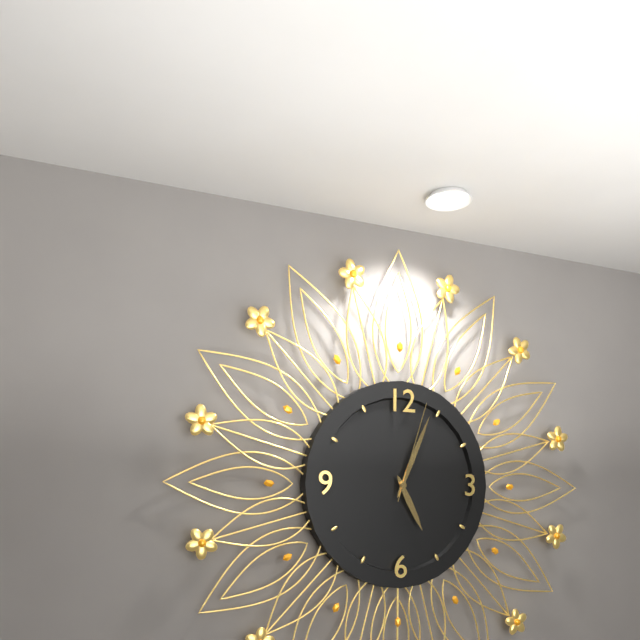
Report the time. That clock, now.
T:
5:04:03
